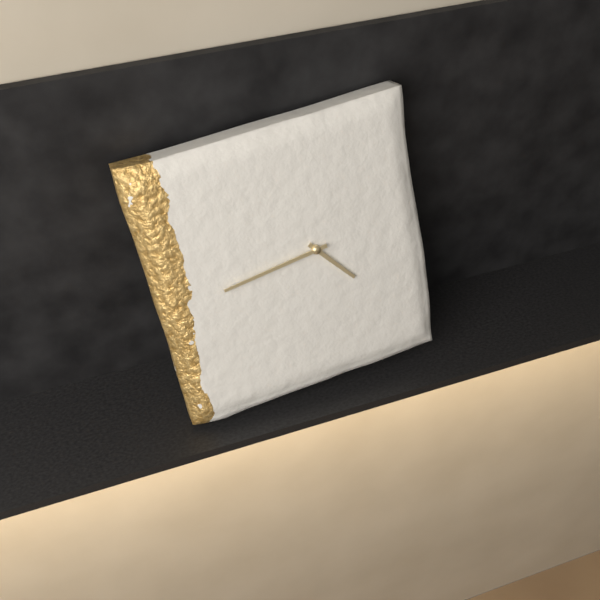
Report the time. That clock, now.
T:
4:44
